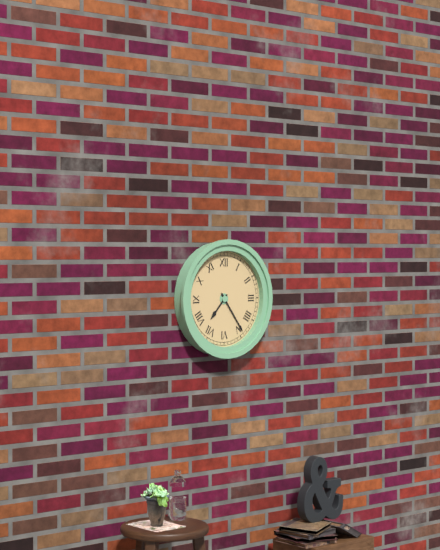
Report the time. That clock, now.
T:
7:24
